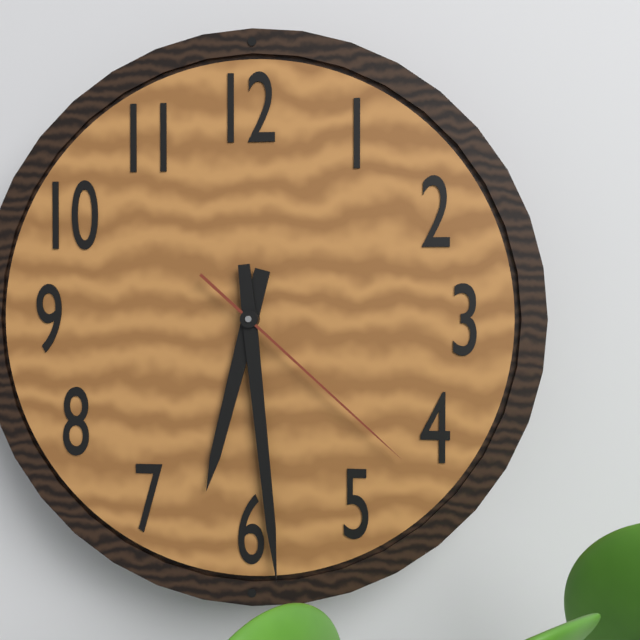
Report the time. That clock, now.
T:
6:29:22
